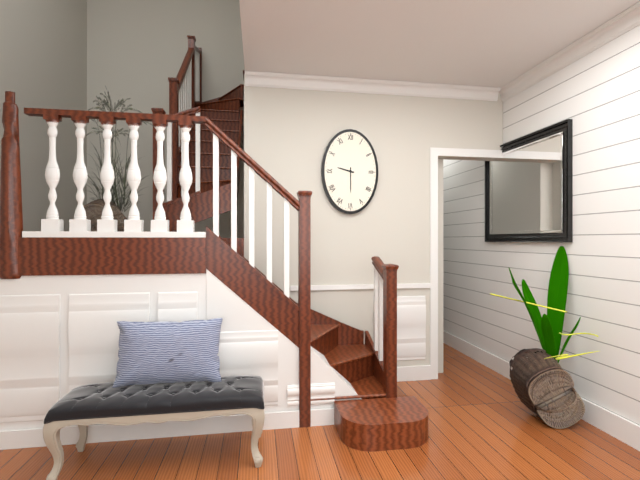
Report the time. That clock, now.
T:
9:30
